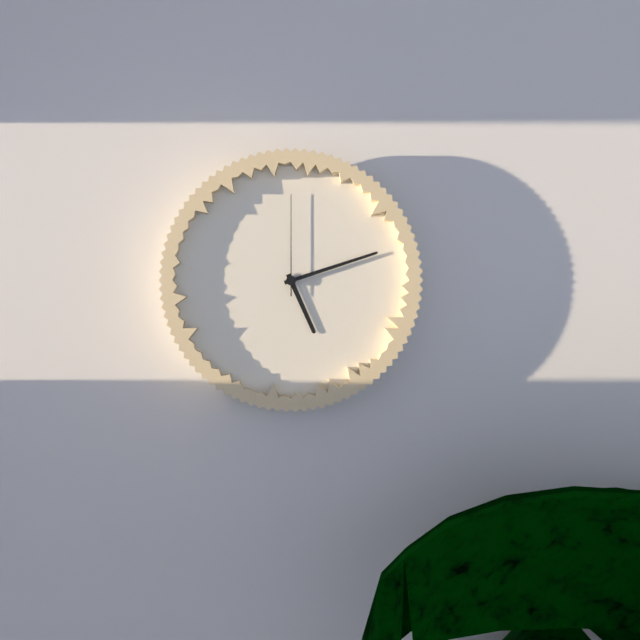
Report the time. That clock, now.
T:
5:12:00
